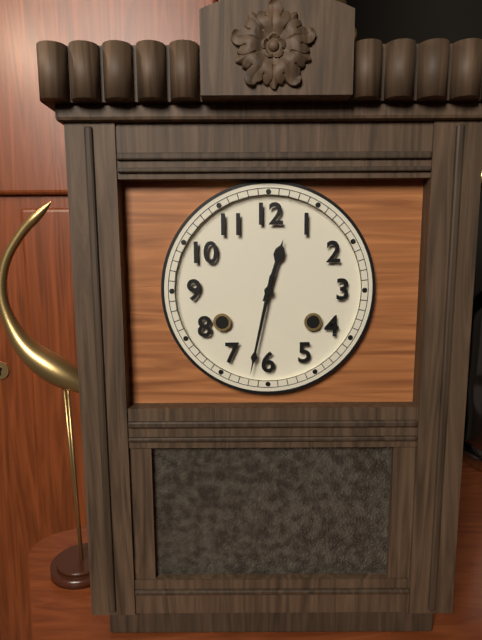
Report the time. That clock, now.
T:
12:32
